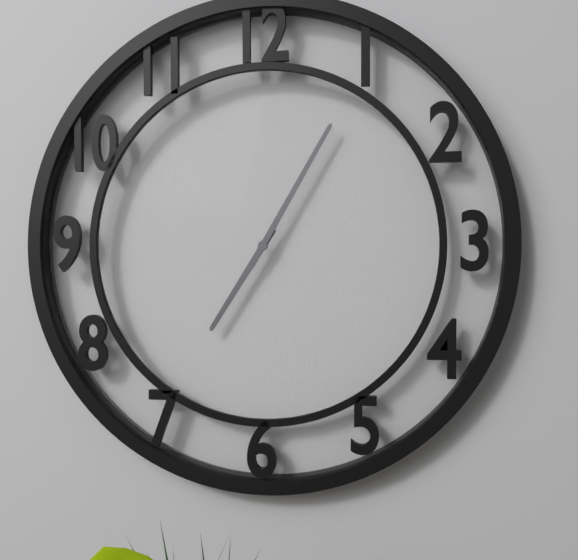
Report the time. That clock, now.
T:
7:05
